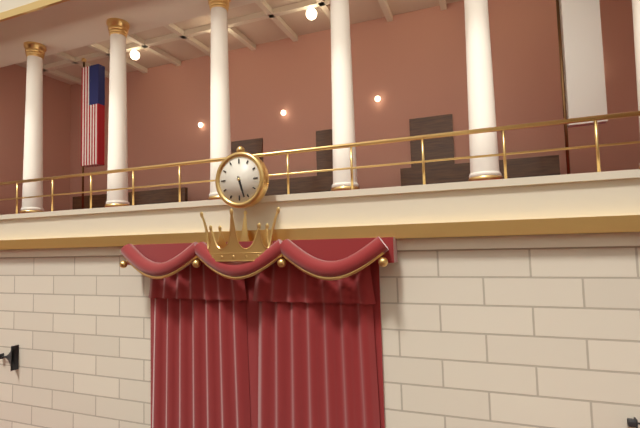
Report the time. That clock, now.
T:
5:27
